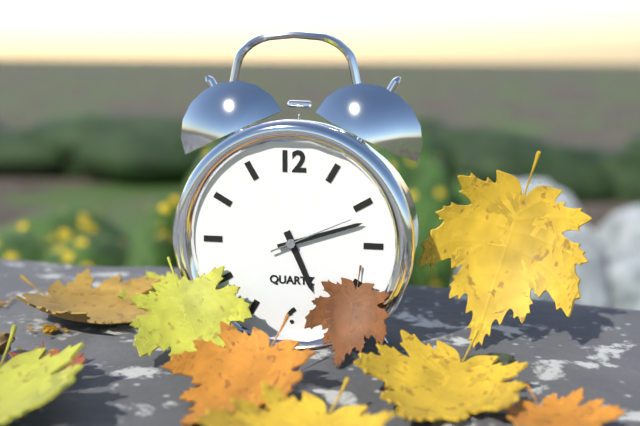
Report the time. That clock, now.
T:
5:12:11
